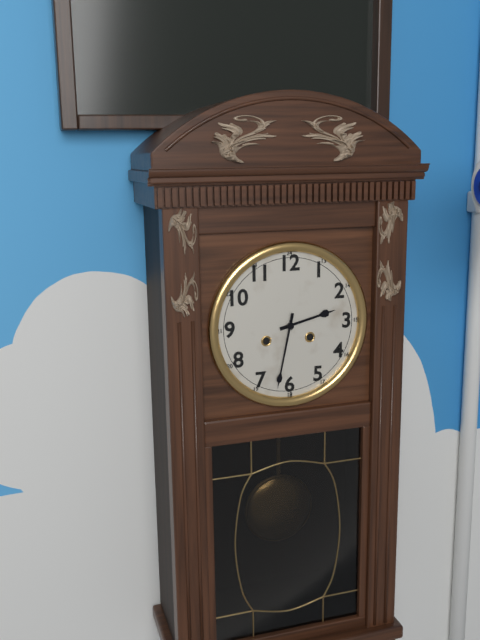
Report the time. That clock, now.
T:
2:32
